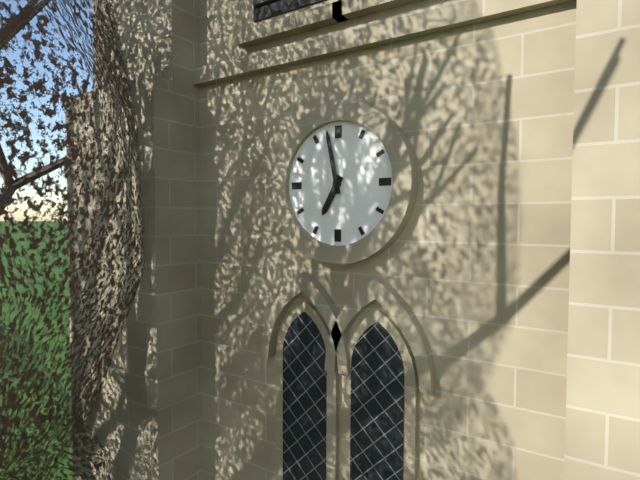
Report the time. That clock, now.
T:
6:58
